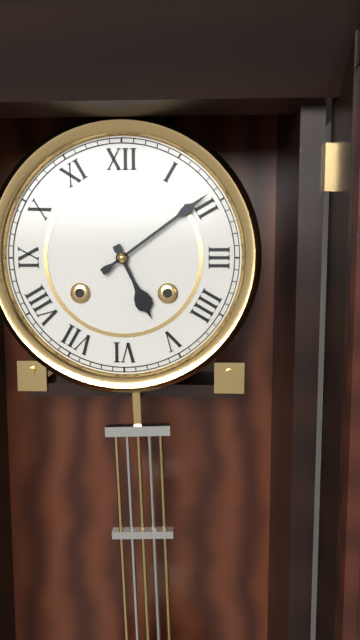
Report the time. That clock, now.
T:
5:09
